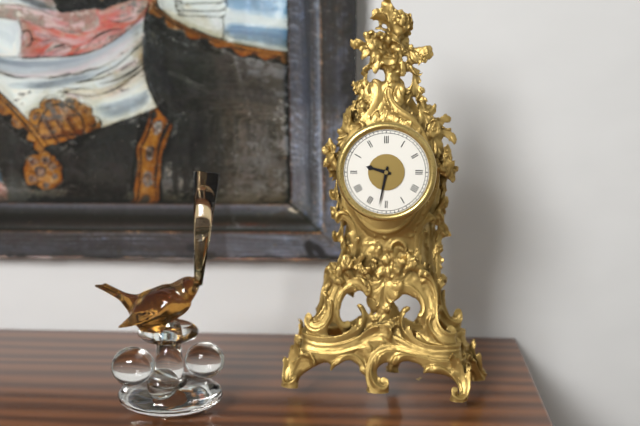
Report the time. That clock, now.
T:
9:32
